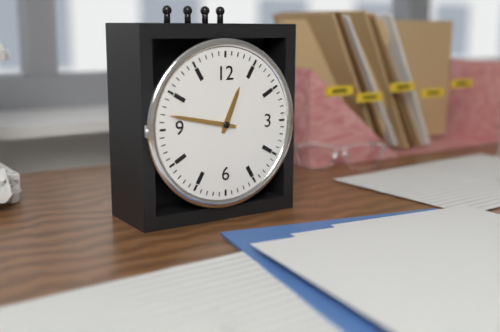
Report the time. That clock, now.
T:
12:47
